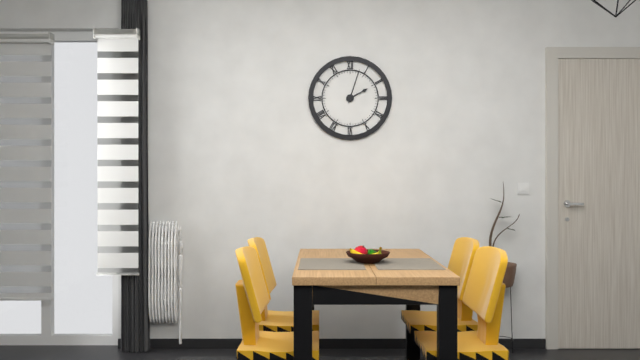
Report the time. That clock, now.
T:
2:03
